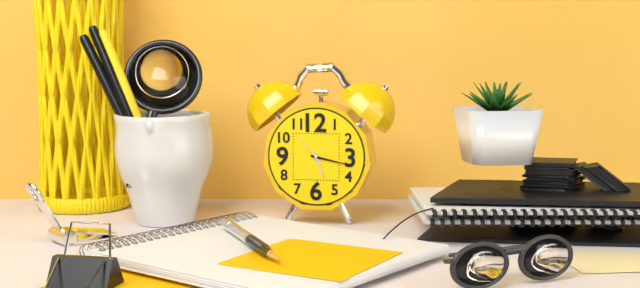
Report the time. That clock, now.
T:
5:17
